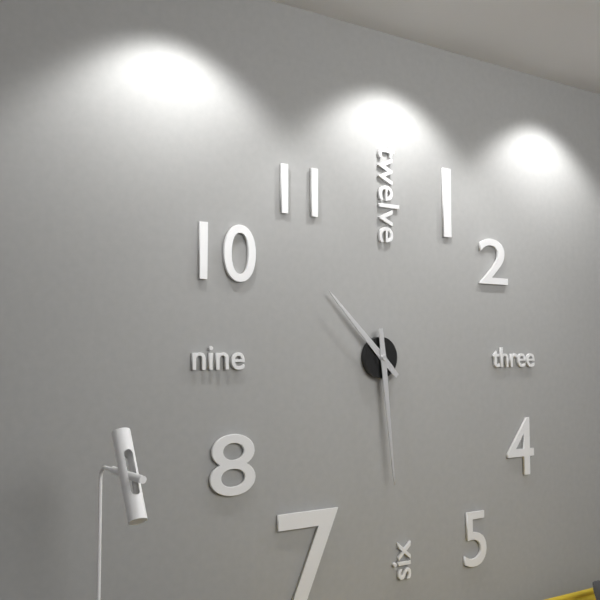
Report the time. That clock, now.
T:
10:29
